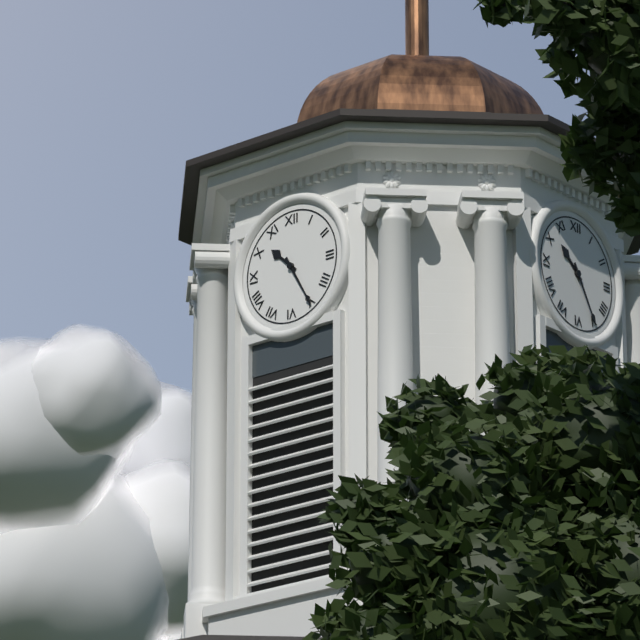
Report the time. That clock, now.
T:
10:25
